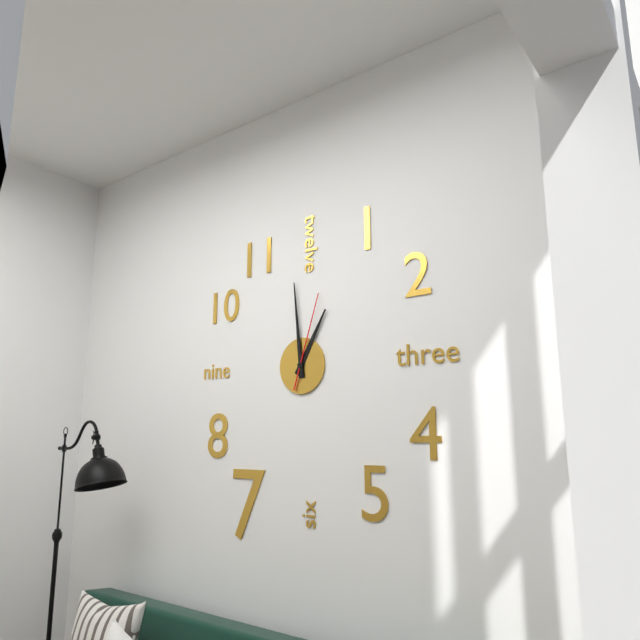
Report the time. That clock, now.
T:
12:59:03
